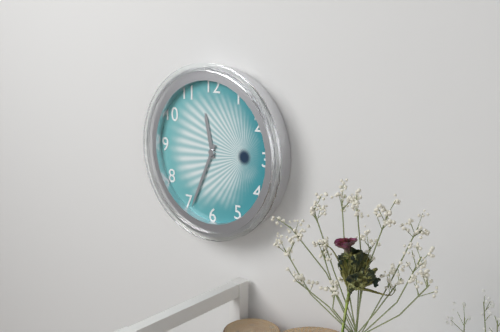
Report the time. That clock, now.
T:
11:34
